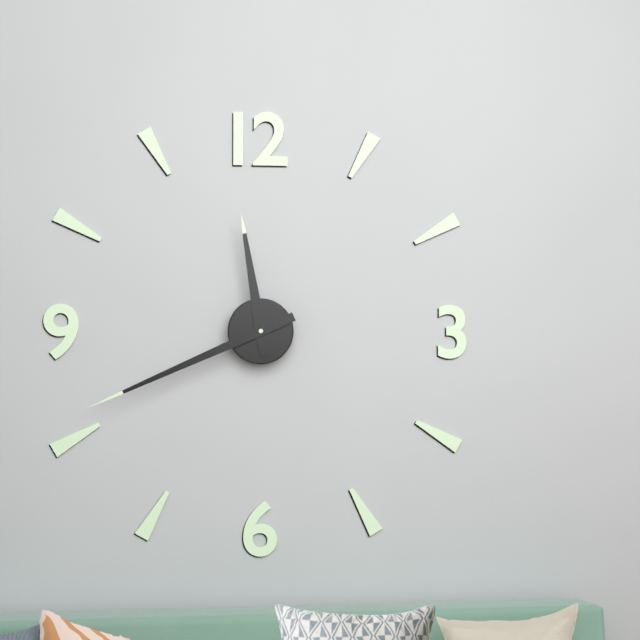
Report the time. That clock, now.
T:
11:41
